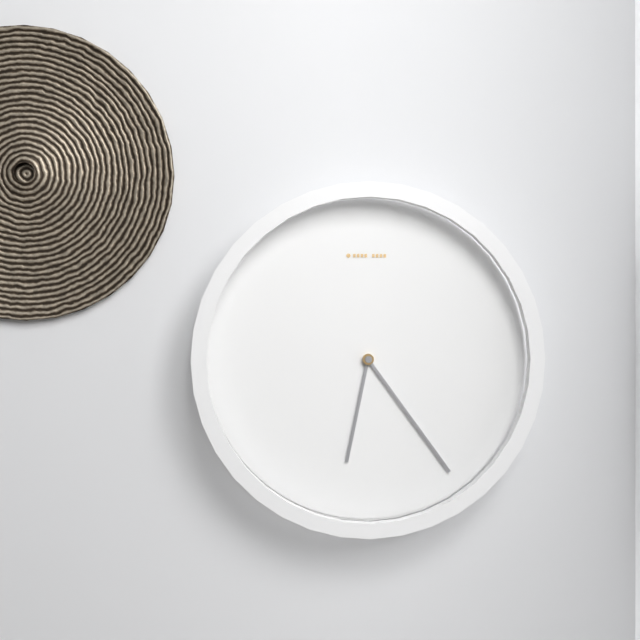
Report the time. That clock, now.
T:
6:24
